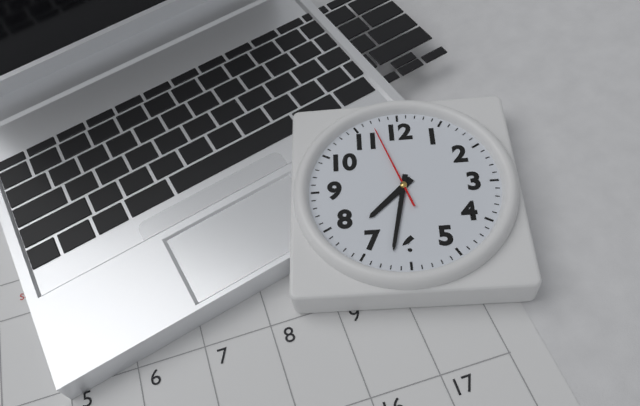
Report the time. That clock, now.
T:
7:32:57
